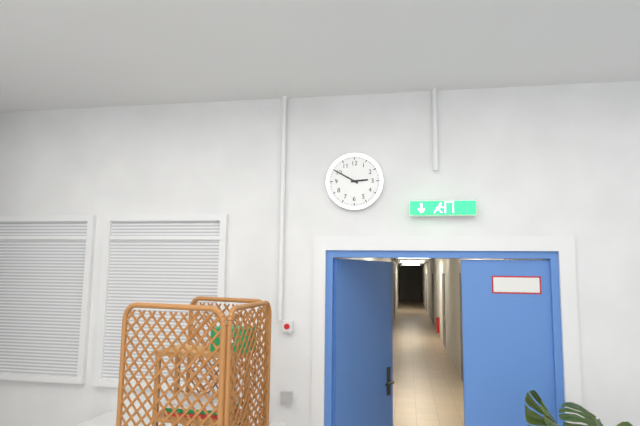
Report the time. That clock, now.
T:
2:50
